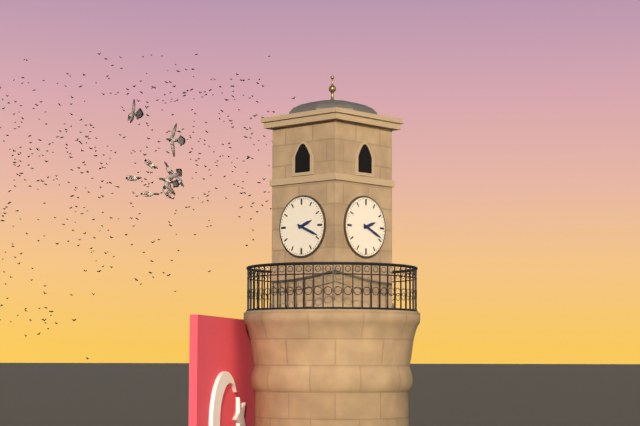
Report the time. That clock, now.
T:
2:19
